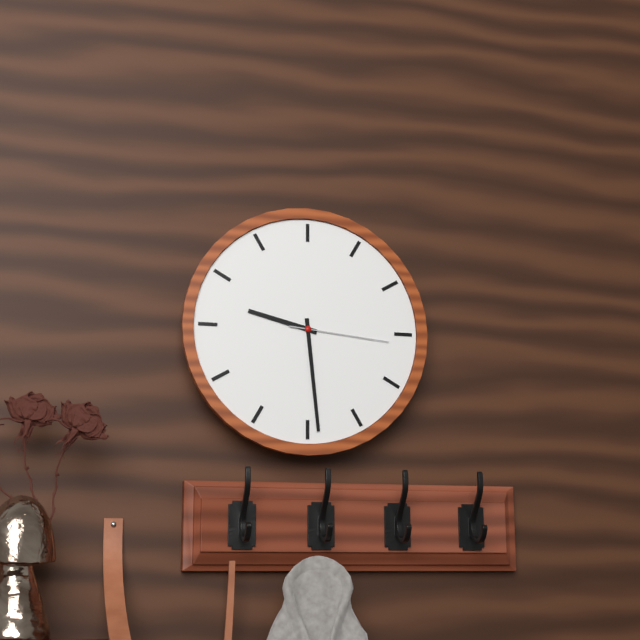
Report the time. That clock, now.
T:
9:29:16
